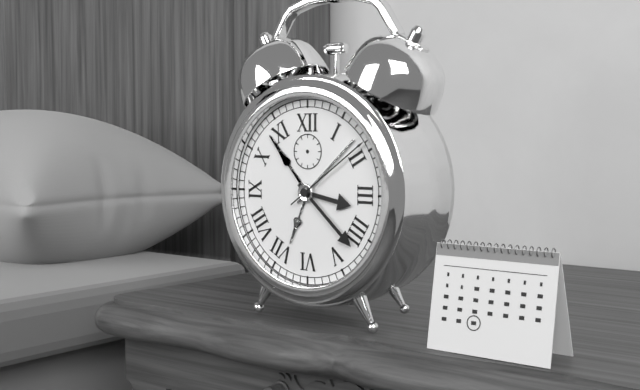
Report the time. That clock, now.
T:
3:22:09
